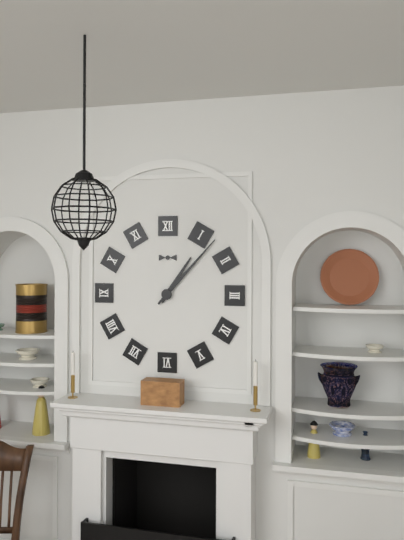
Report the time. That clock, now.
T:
1:07
